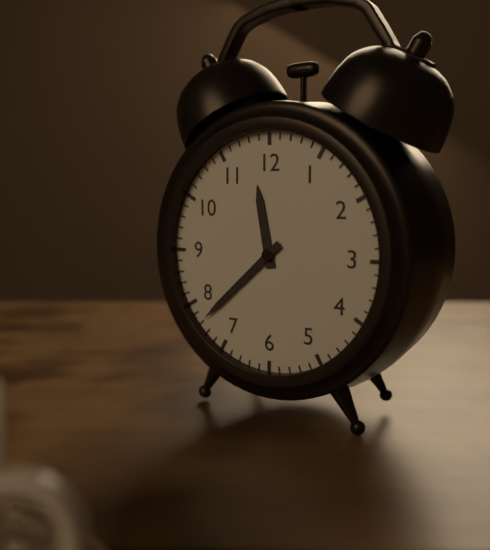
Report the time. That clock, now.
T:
11:38
